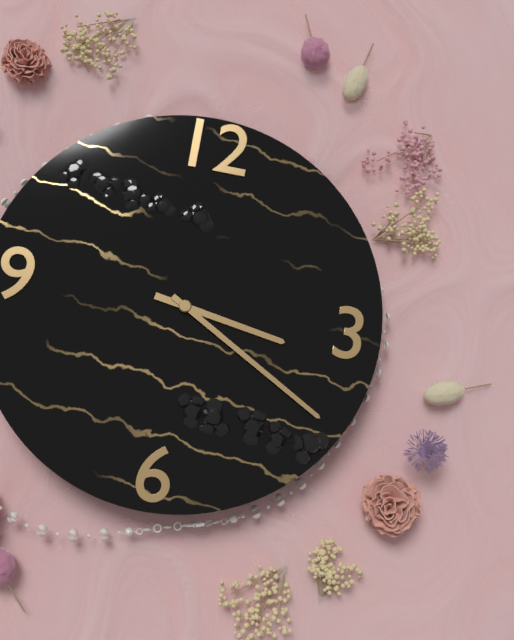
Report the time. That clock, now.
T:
3:20
